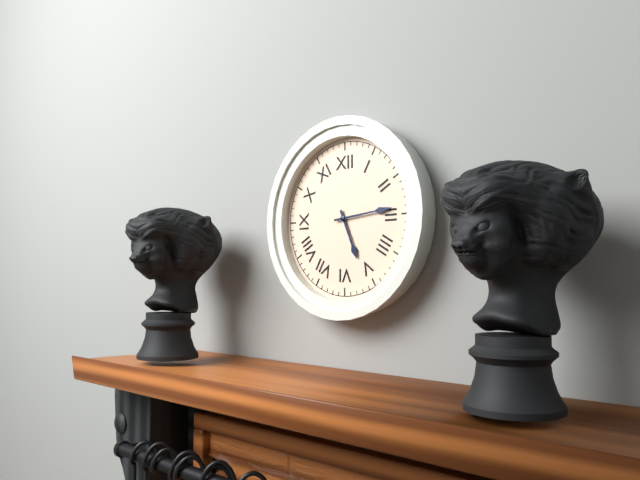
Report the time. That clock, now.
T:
5:14
